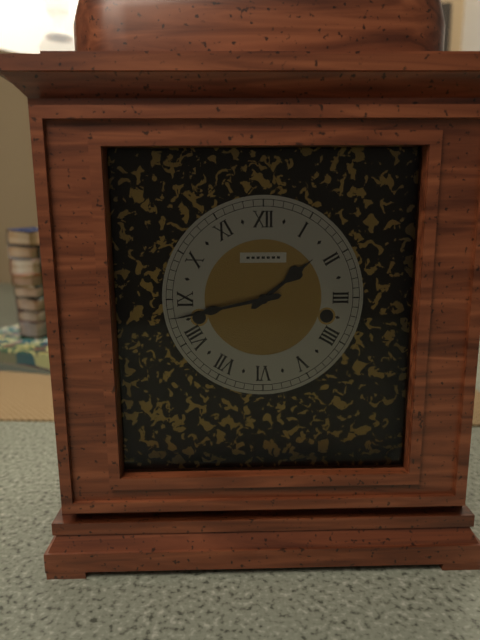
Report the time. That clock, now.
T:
1:43
